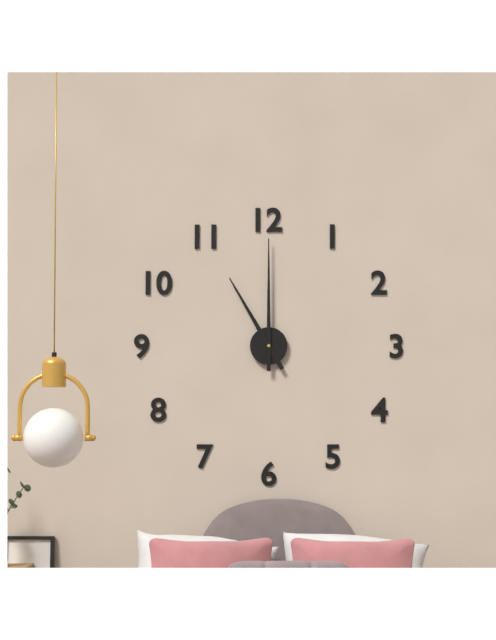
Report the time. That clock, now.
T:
11:00
